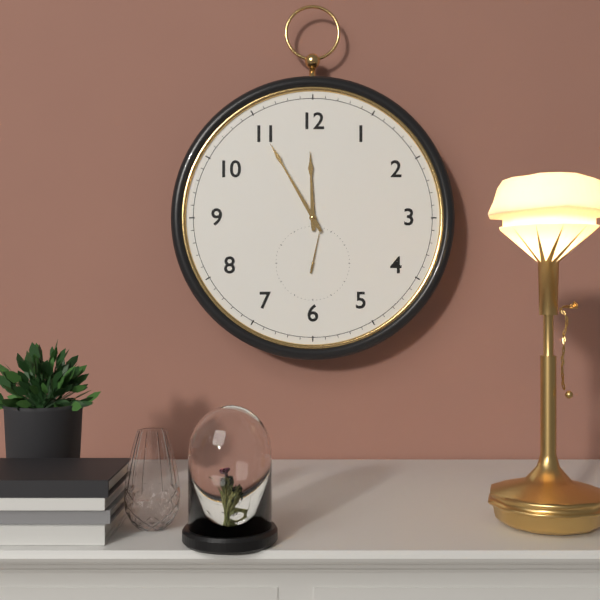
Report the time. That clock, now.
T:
11:55
